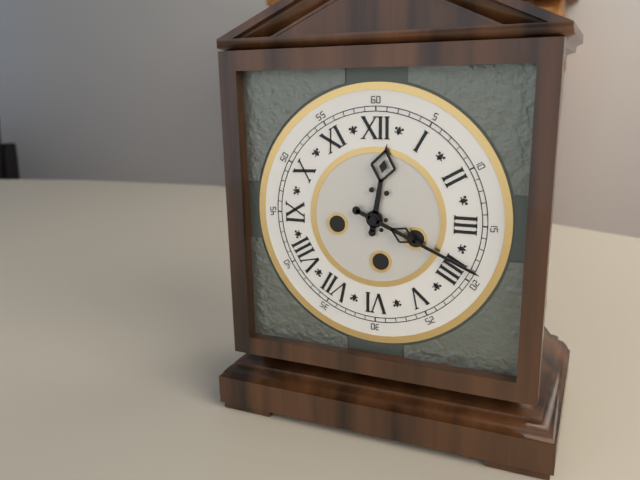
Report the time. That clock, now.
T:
12:19
